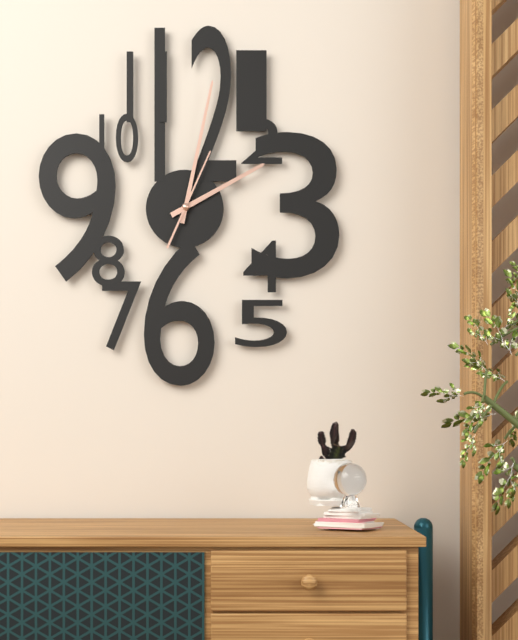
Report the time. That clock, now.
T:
2:02:04
